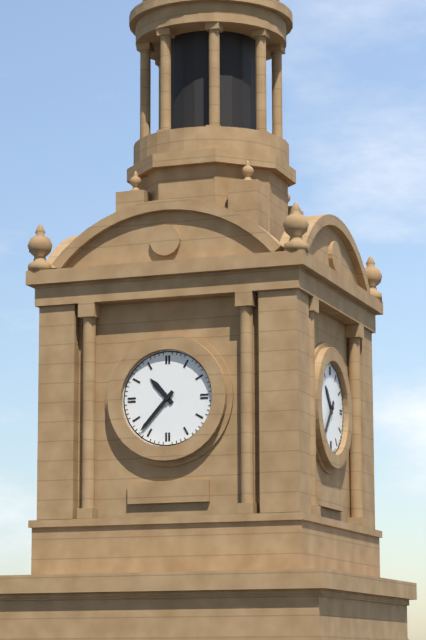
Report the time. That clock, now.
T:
10:37
